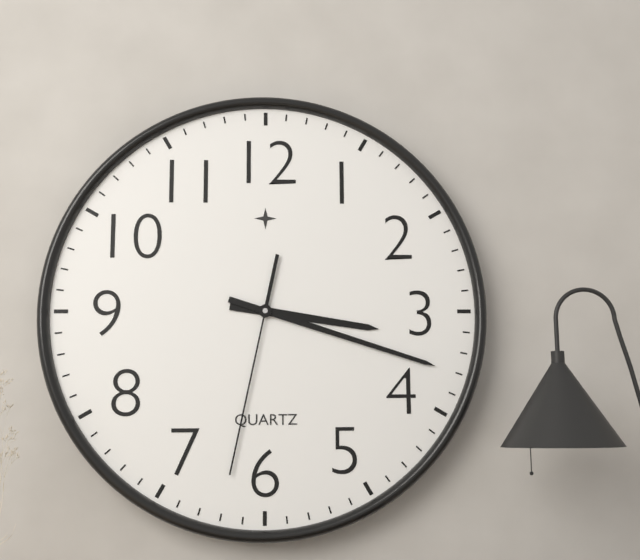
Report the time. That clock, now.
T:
3:18:32
